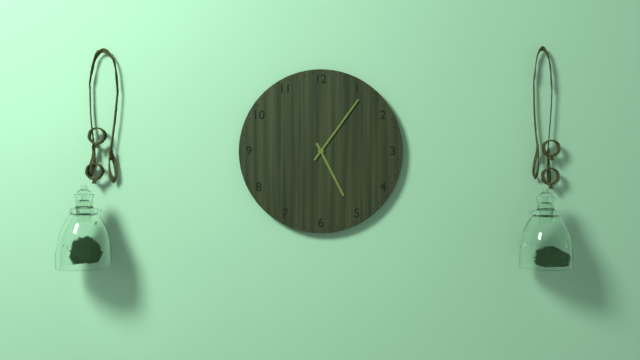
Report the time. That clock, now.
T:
5:06
